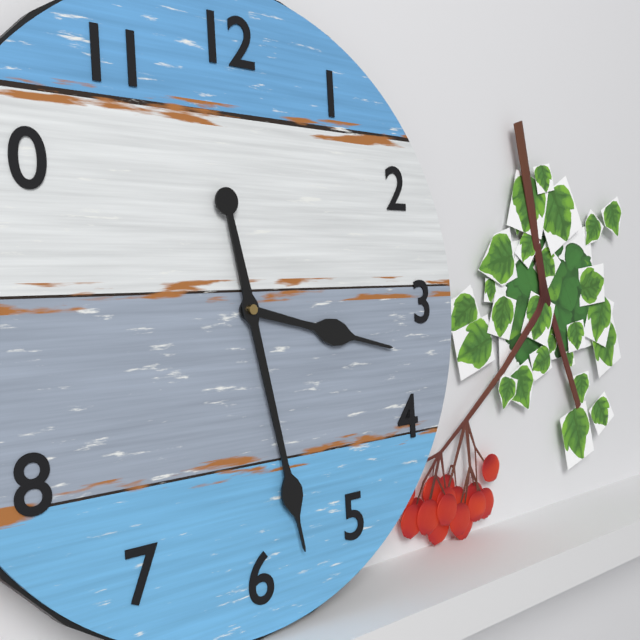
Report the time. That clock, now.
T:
3:28
